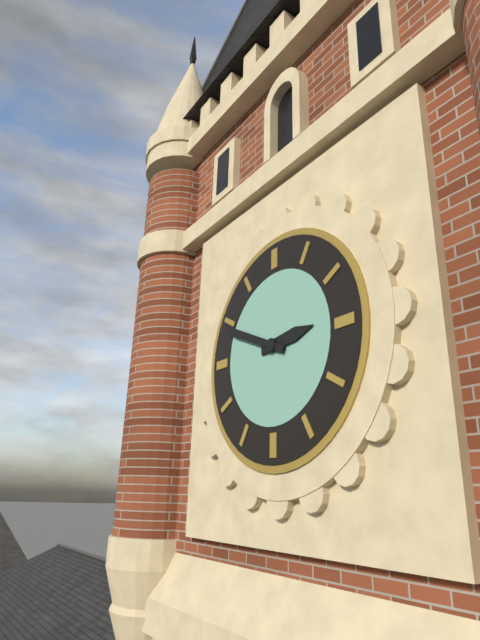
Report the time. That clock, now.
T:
2:49
